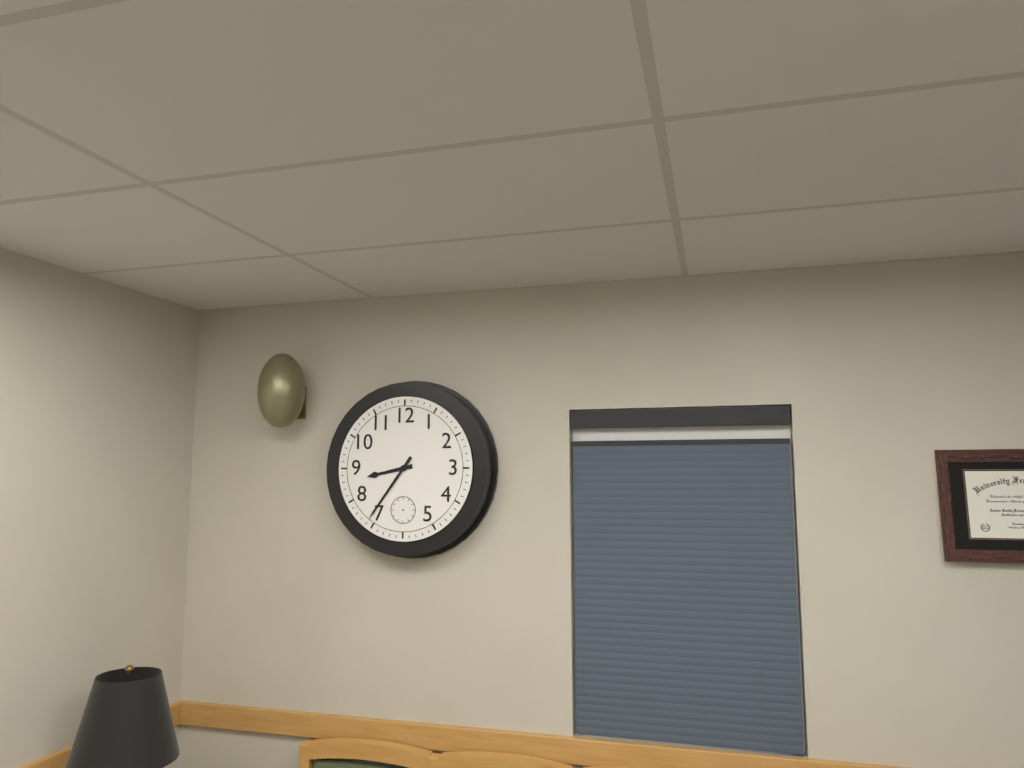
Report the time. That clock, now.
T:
8:36
